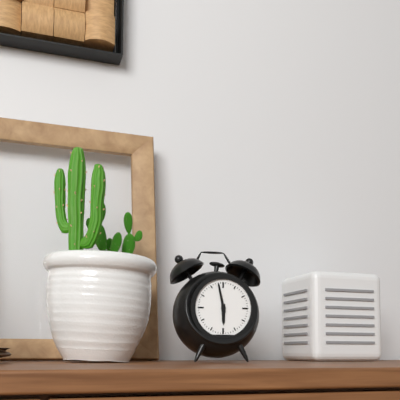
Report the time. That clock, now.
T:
5:58
